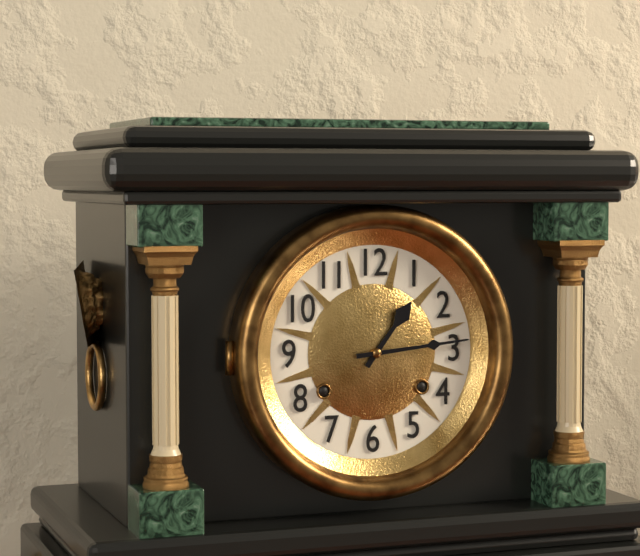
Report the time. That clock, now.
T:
1:14
